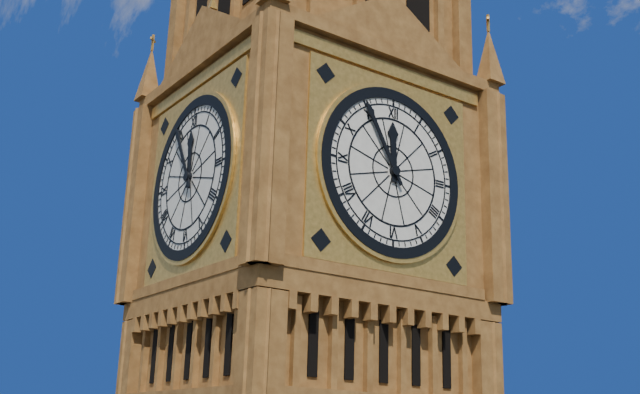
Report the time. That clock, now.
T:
11:55
